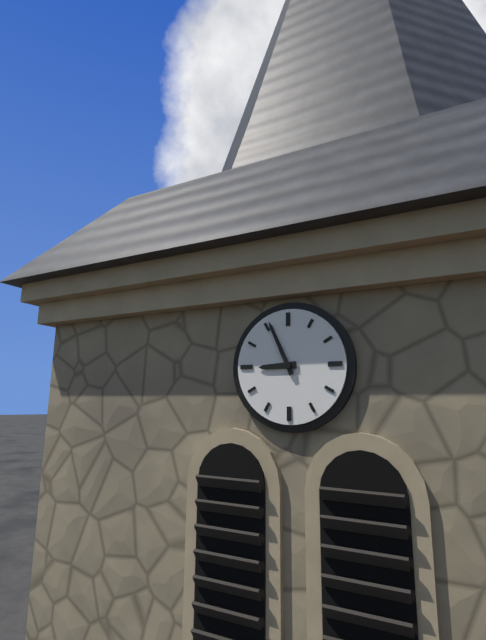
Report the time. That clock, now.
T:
8:56
